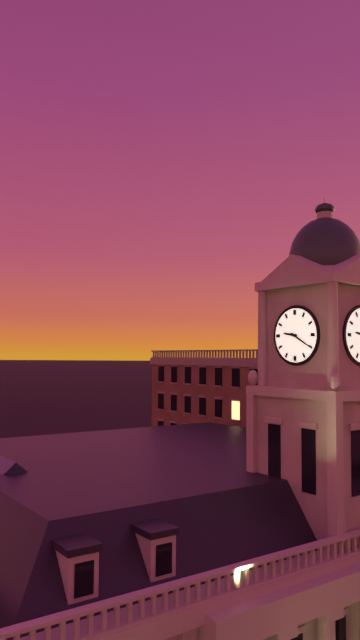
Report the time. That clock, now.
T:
9:20
